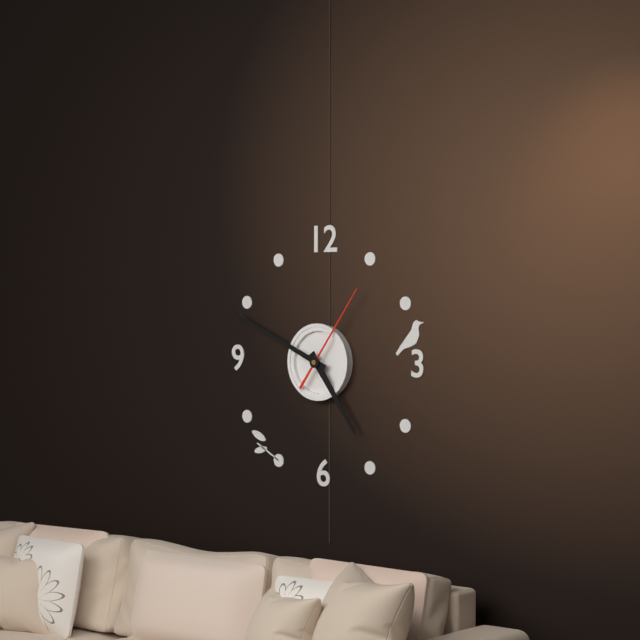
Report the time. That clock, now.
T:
4:49:06
